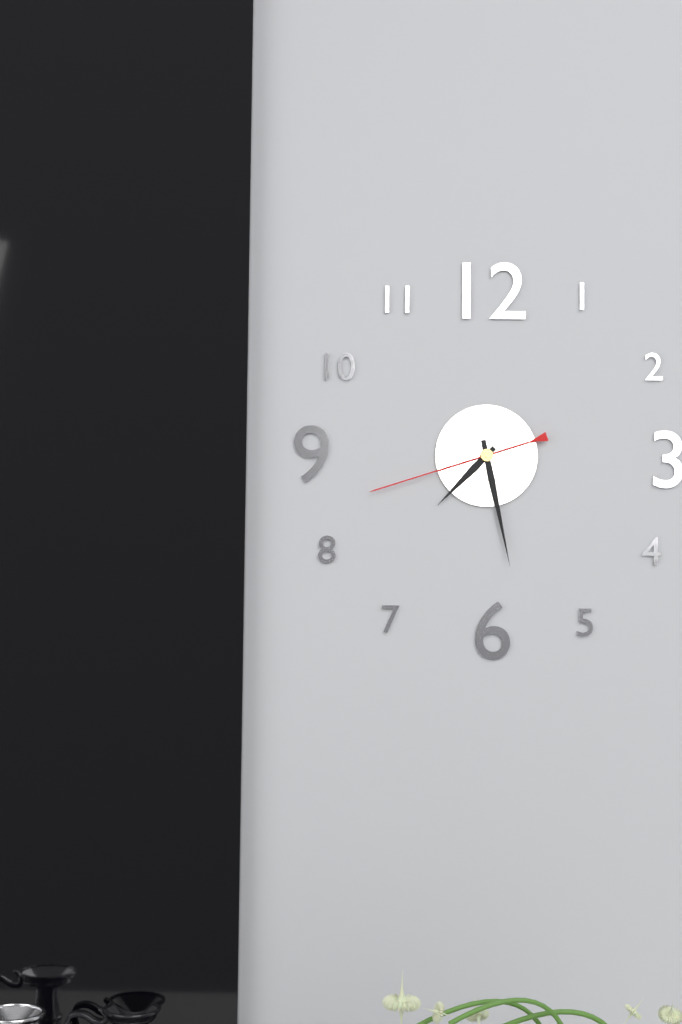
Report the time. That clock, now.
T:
7:28:42
